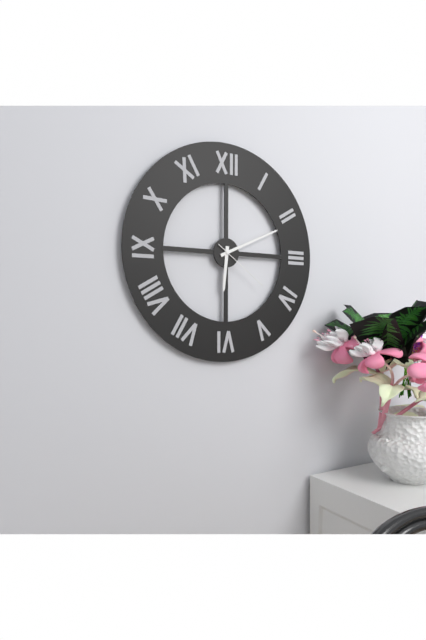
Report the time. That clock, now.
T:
6:11:21
